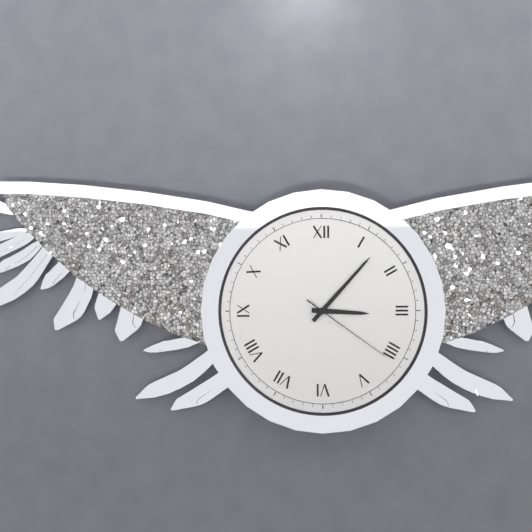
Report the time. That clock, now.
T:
3:07:21
